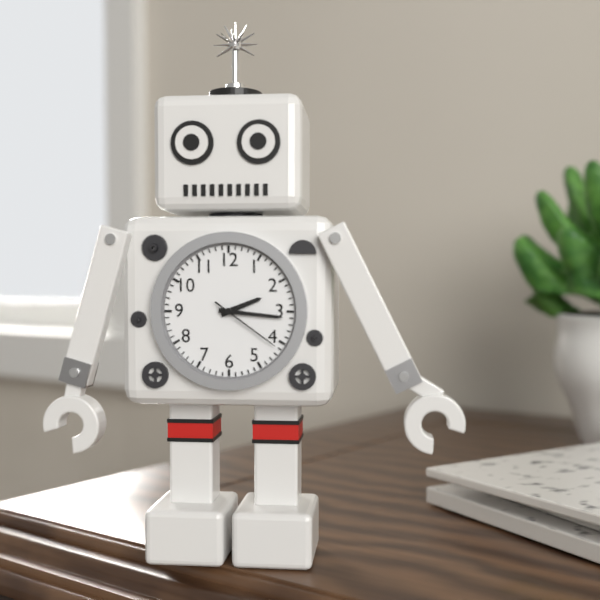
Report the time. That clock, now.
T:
2:16:21
